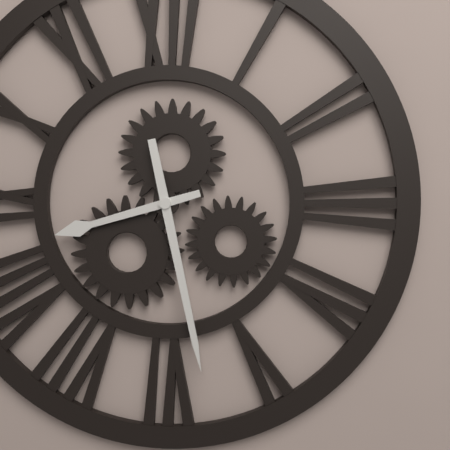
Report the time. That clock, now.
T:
8:28
